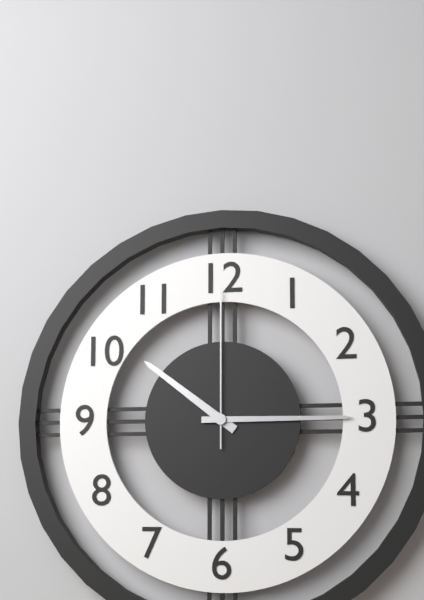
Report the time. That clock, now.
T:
10:15:00
